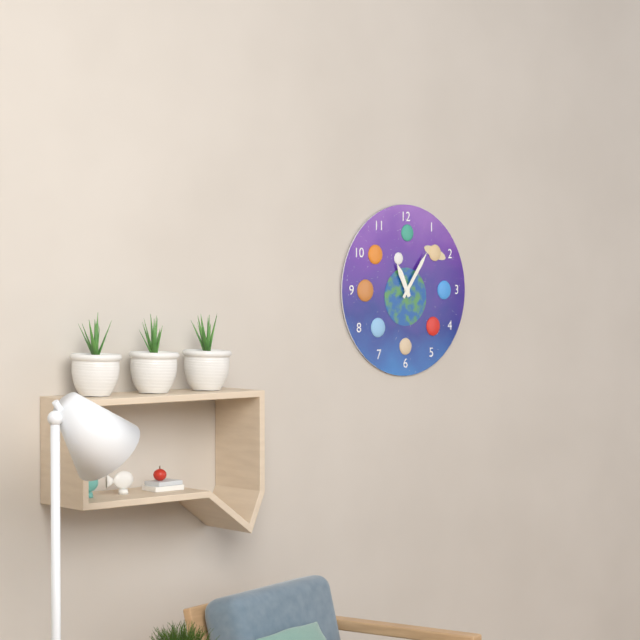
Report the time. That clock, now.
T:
11:06
